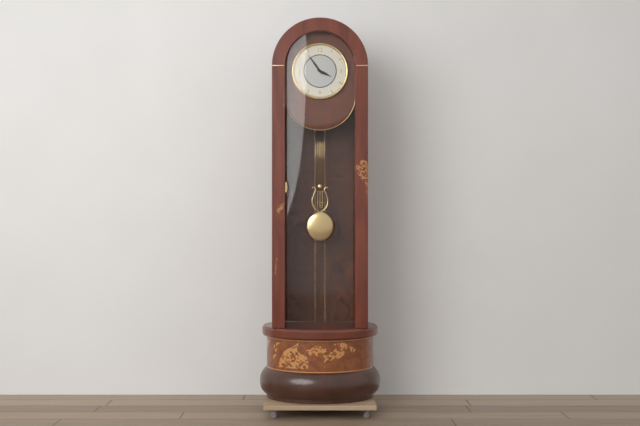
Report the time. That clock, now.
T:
3:54
